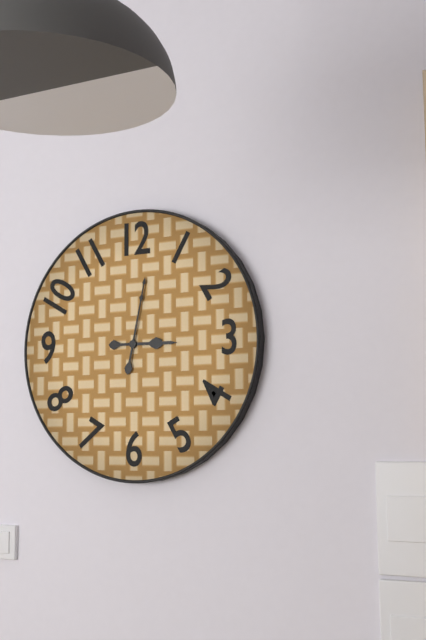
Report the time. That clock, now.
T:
3:02
